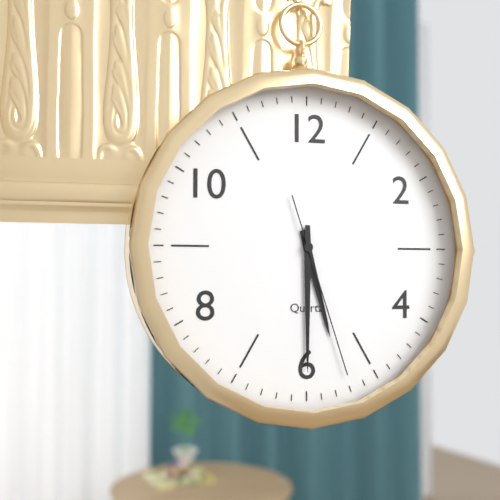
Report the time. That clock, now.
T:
5:30:27
